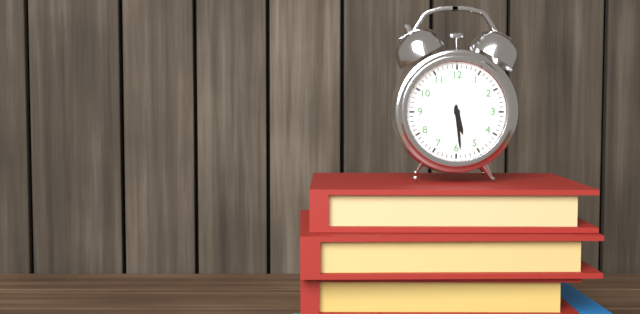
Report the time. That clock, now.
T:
5:29
